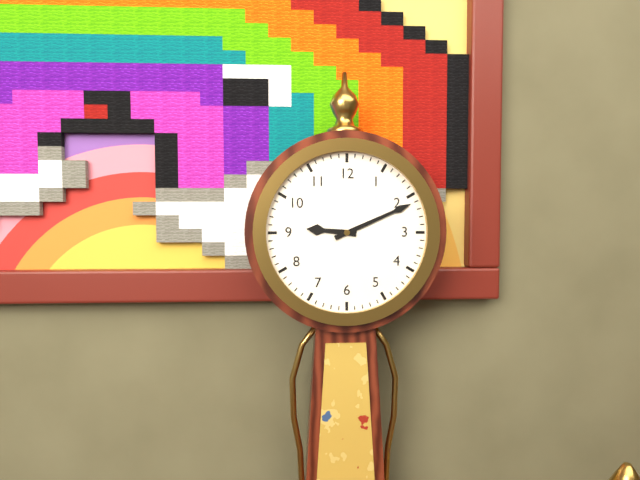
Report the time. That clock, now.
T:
9:11
